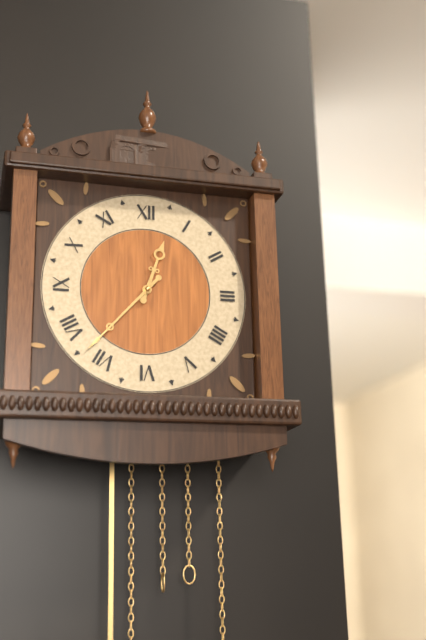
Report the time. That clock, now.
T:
12:37
